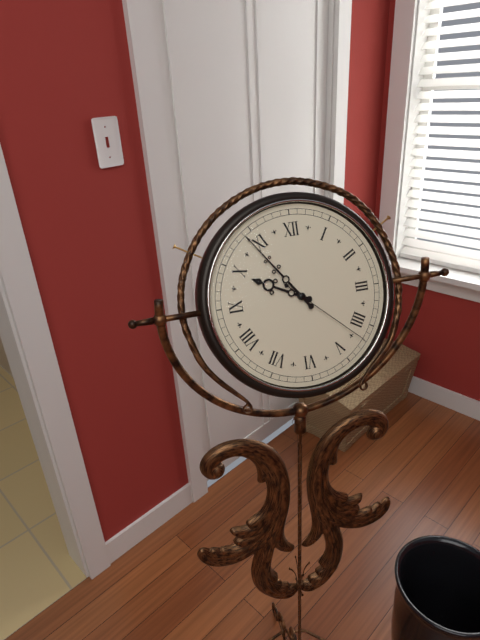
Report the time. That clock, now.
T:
9:54:22
